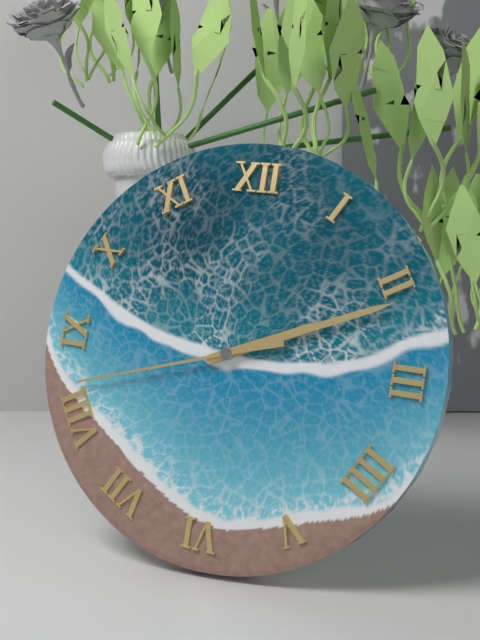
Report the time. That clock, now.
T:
2:11:42
